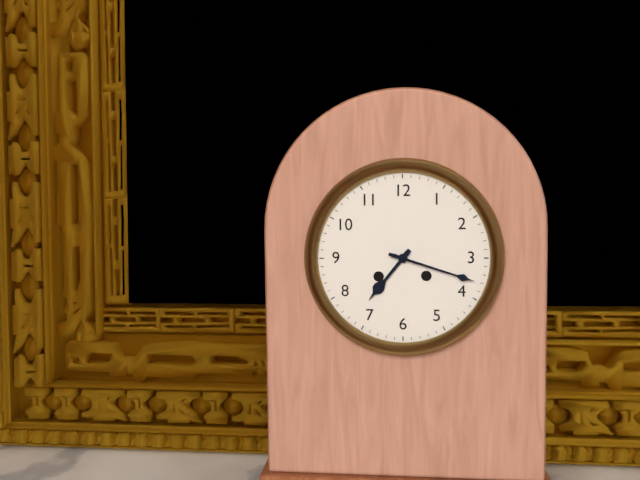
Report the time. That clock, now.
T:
7:18
